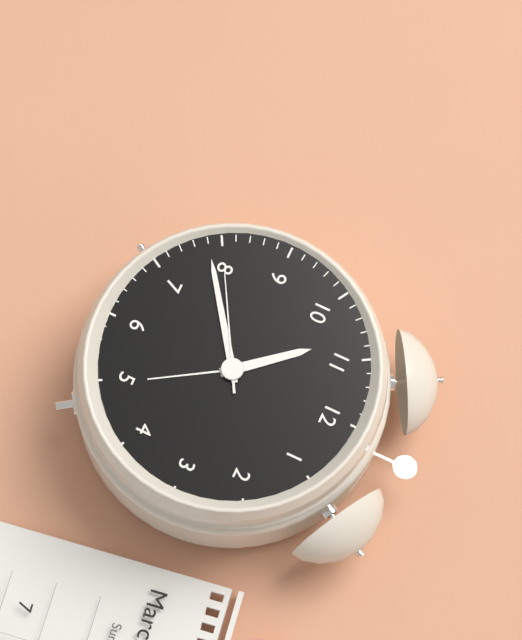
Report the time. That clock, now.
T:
10:39:40
